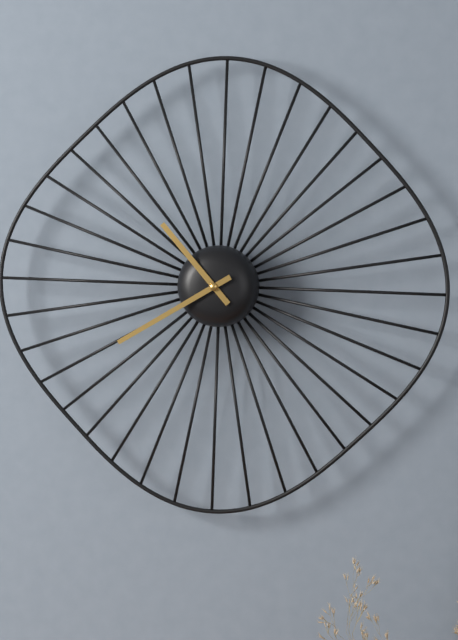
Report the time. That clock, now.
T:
10:40
